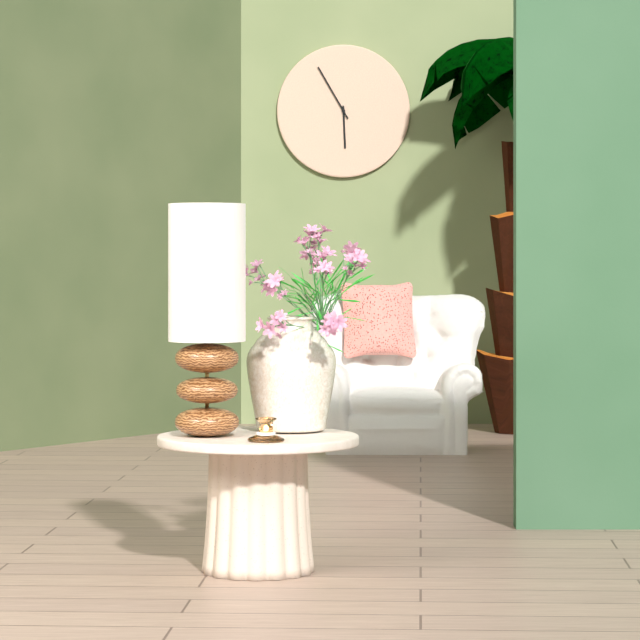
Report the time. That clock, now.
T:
5:55
